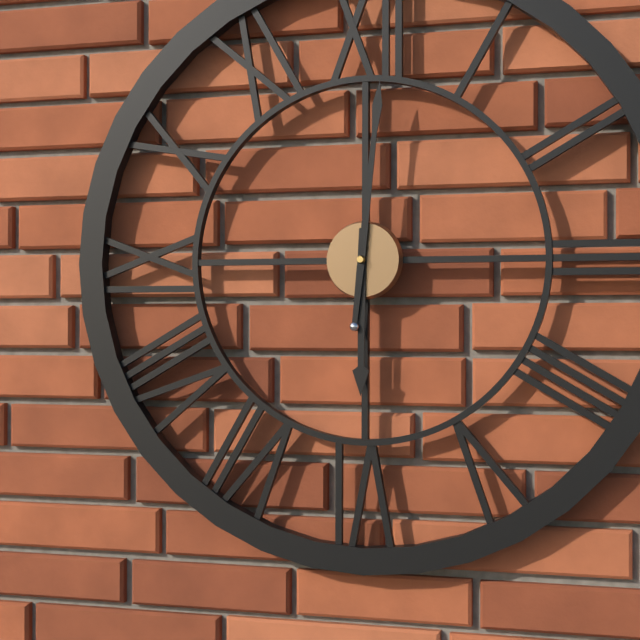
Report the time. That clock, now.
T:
6:01
